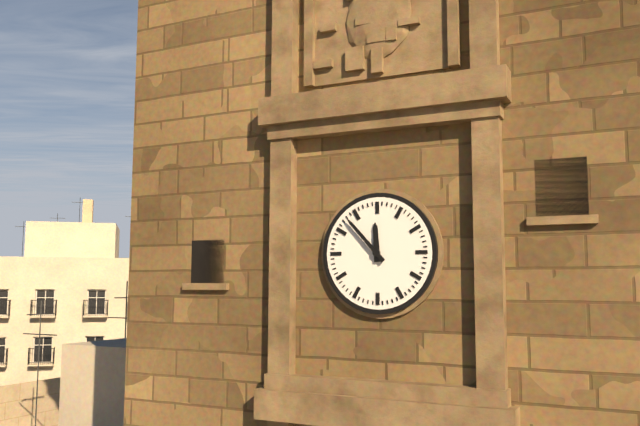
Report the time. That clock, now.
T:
11:53
